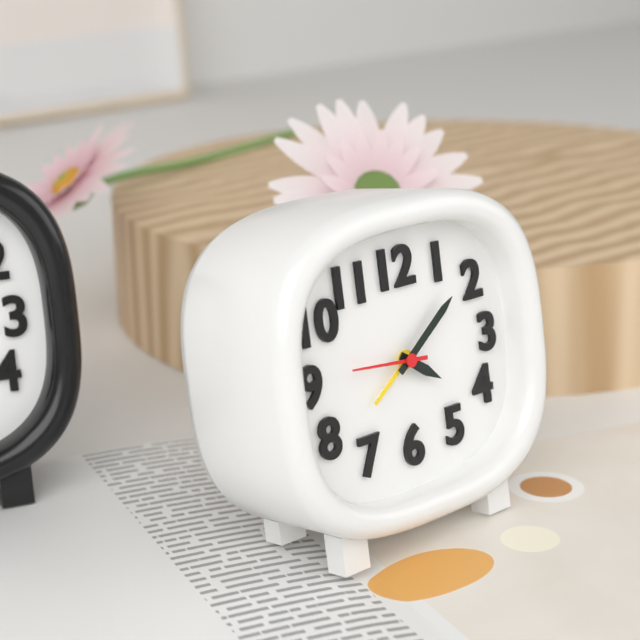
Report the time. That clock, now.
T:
4:09:46
